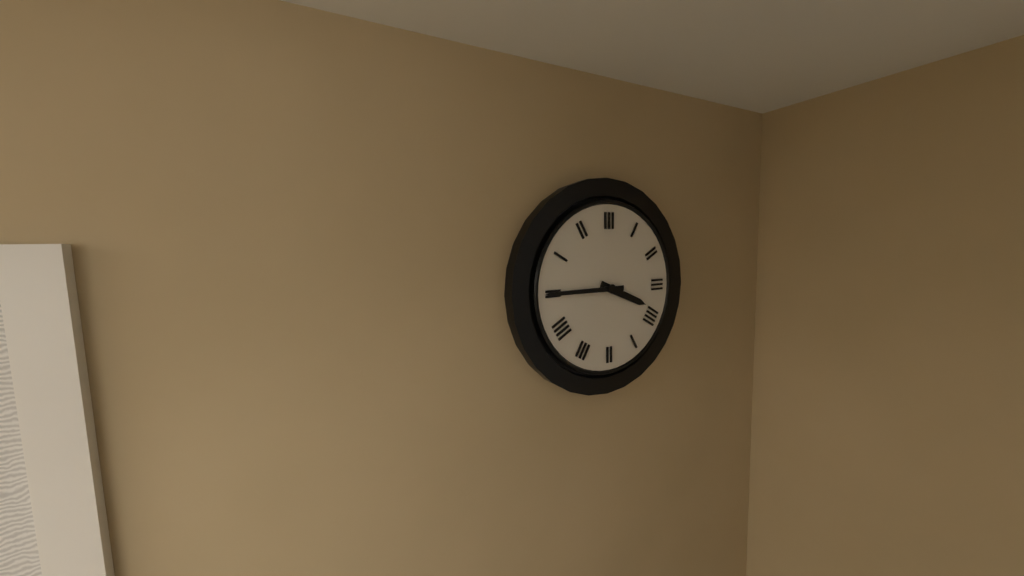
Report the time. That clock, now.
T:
3:45
